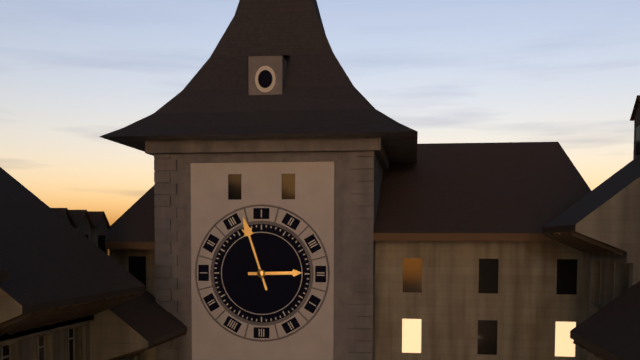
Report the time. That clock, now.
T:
2:57
